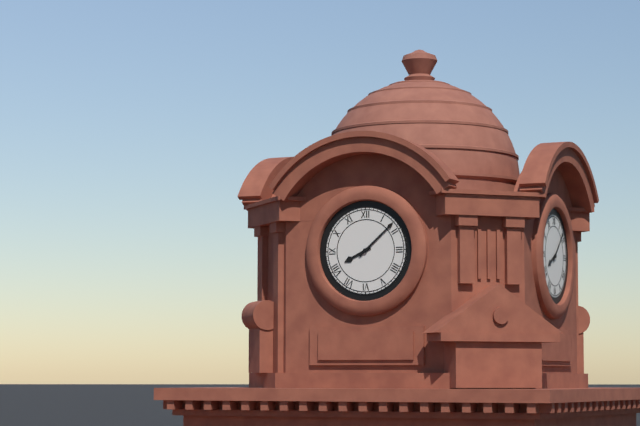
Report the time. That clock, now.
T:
8:08
